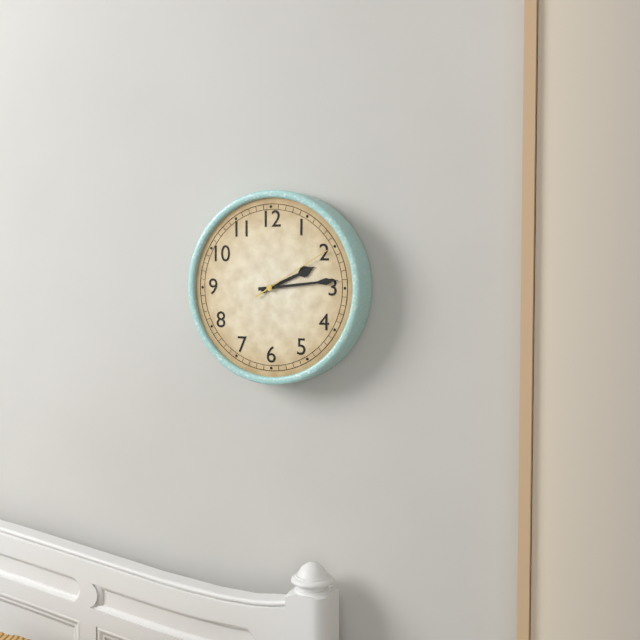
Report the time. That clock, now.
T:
2:14:10
